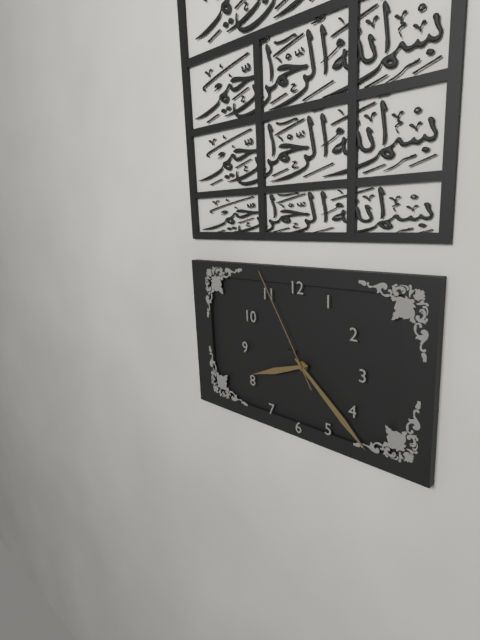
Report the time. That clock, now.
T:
8:22:55
